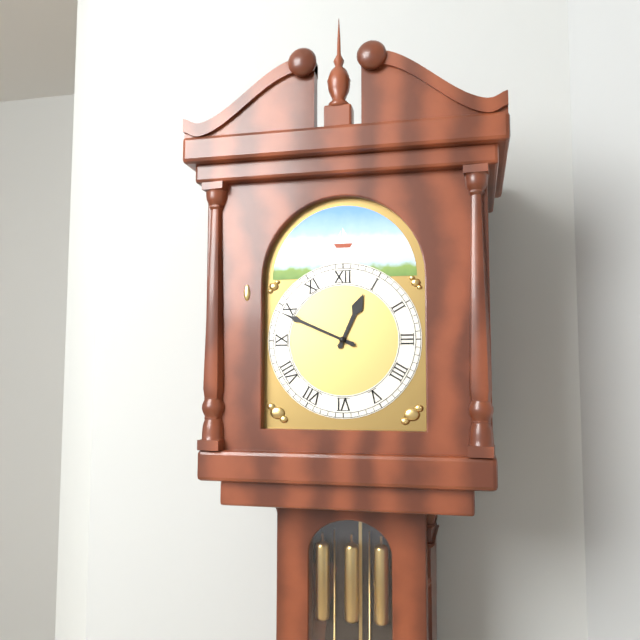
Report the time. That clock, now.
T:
12:49
